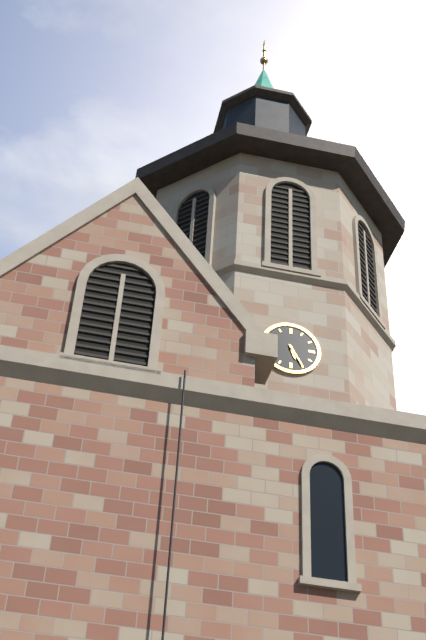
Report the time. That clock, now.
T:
5:25
